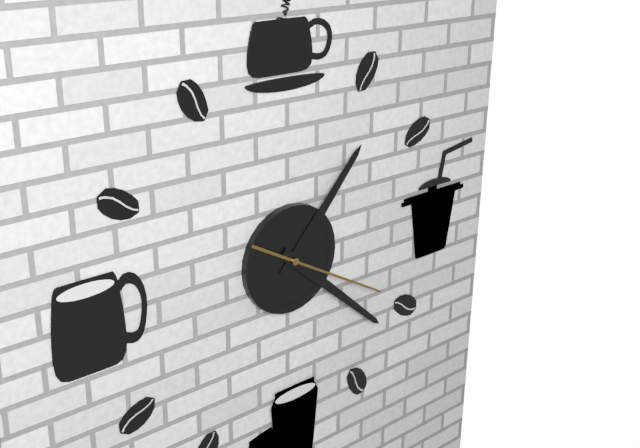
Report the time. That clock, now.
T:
1:22:20
